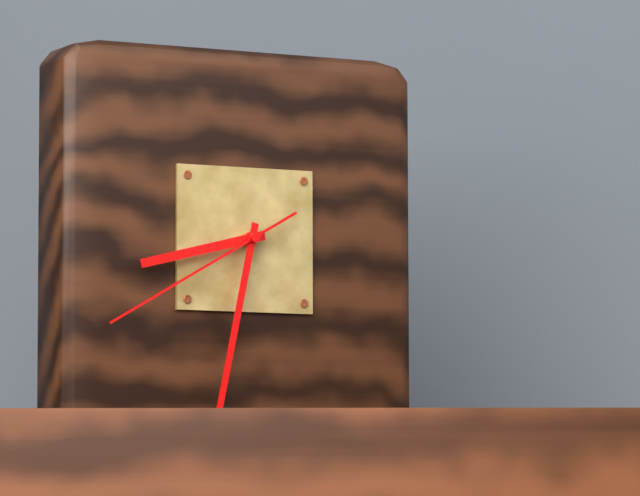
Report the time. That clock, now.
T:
8:32:40
